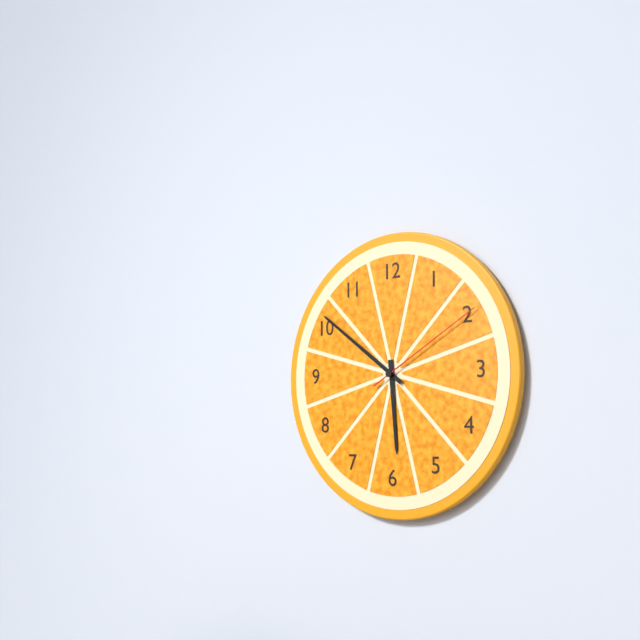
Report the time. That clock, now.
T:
5:51:10
